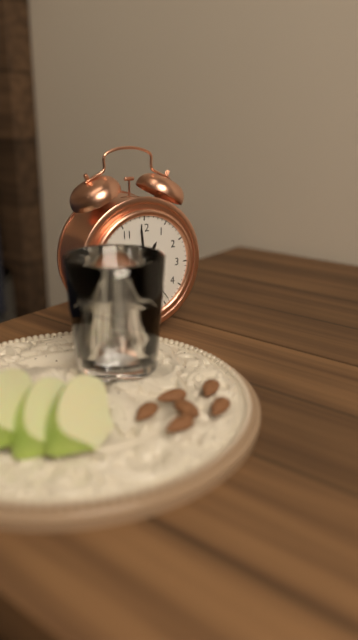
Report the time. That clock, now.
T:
12:59
